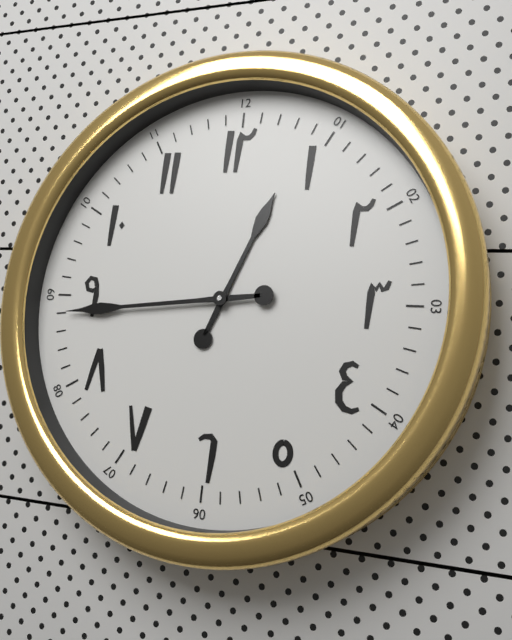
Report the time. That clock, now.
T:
12:44
